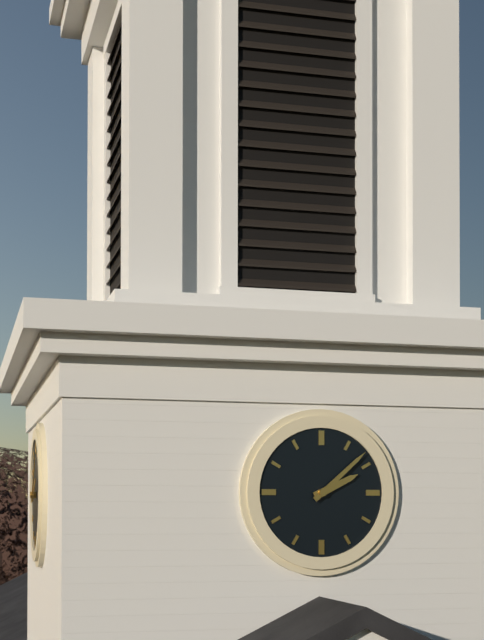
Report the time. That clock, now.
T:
2:08
